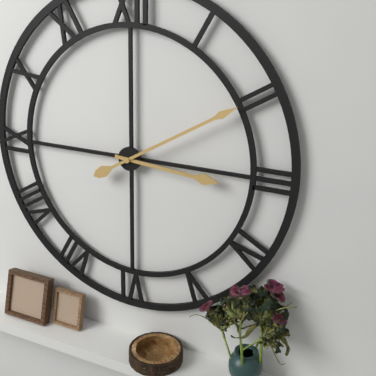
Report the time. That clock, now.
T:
3:10
